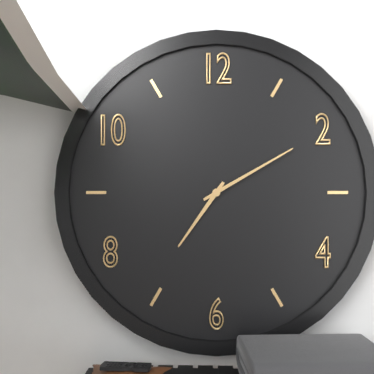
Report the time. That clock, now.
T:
7:10
